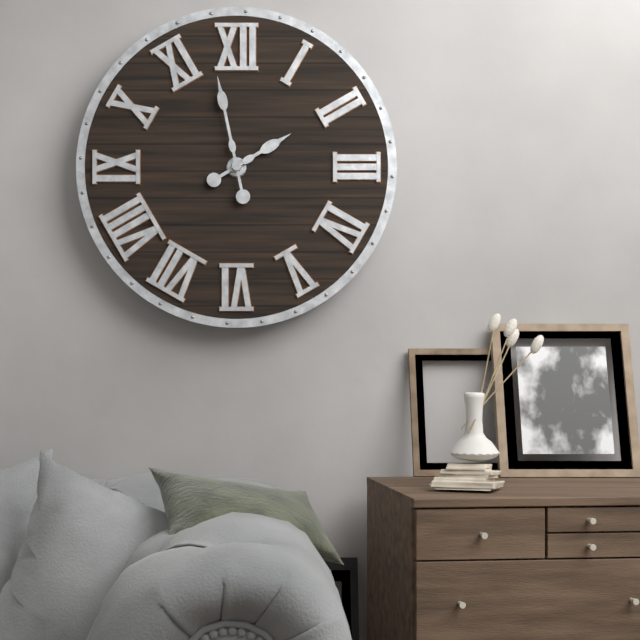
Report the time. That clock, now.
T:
1:58
